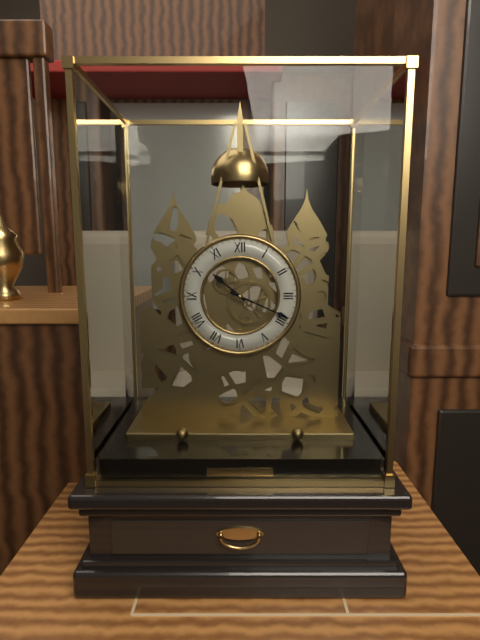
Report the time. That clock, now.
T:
10:19
